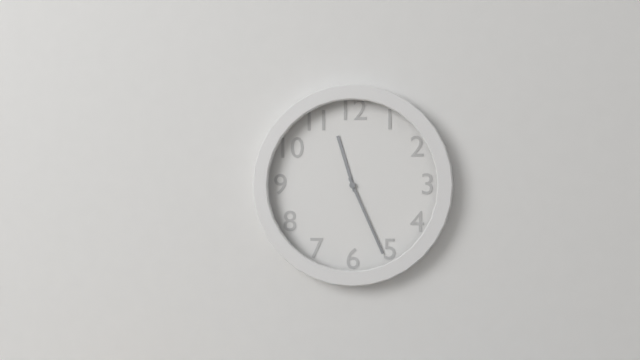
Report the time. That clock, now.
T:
11:26
